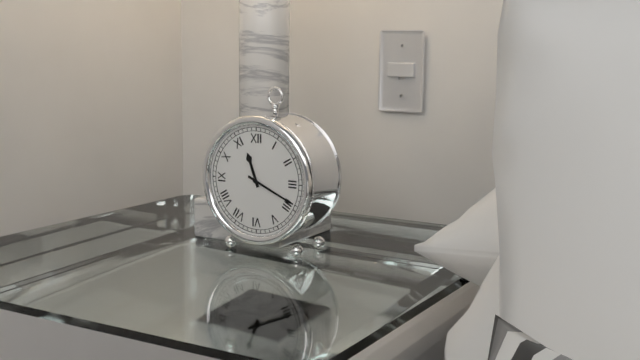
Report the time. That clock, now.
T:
11:19
